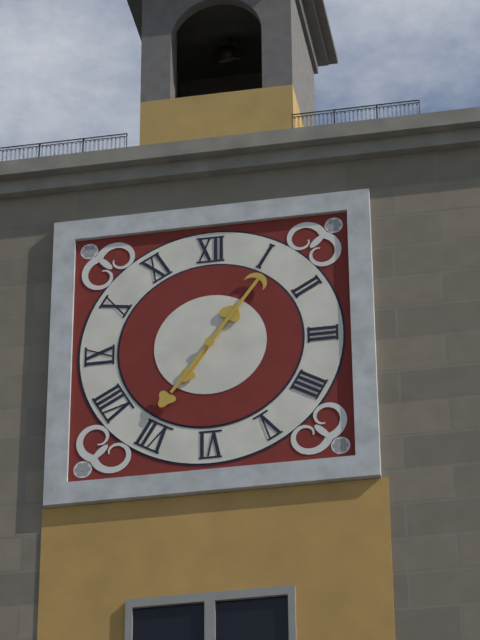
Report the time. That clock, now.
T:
1:06
